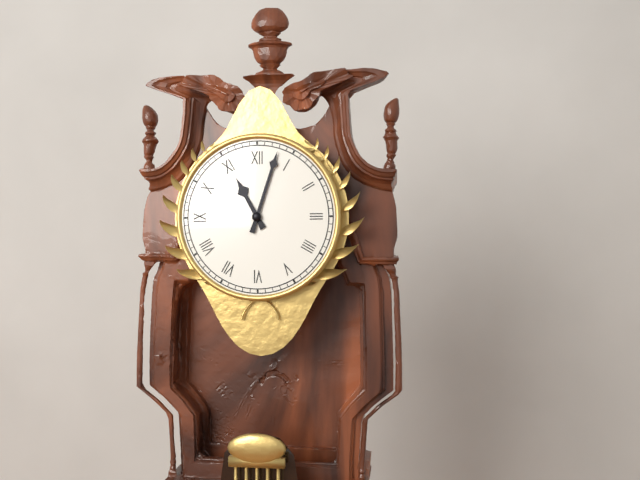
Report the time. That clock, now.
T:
11:03
